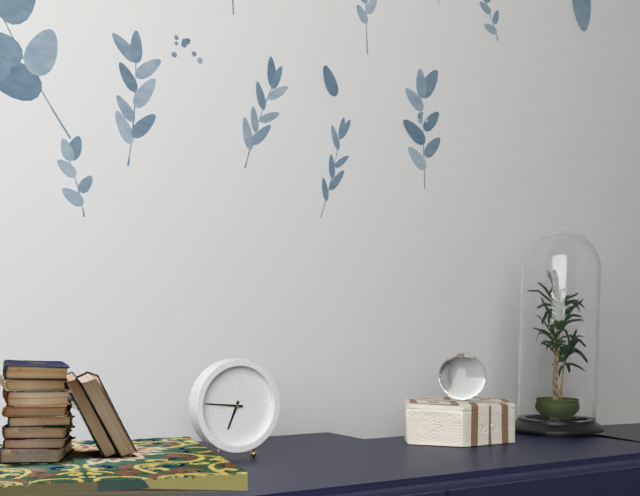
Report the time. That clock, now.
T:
6:46
